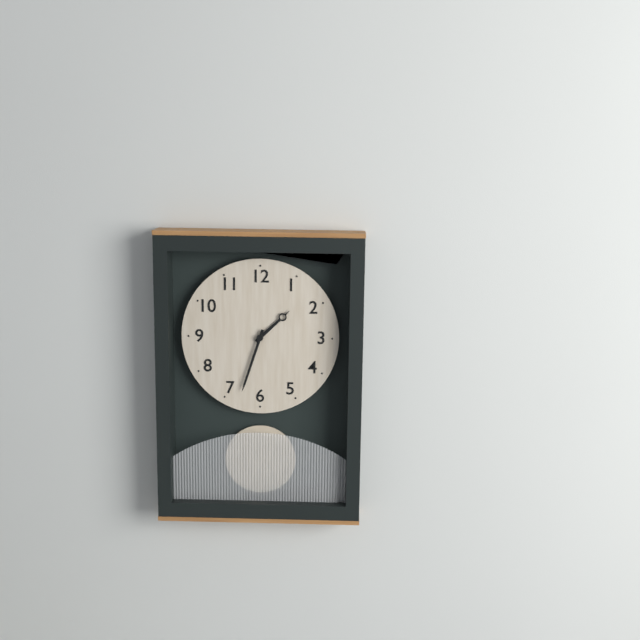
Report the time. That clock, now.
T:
1:33
